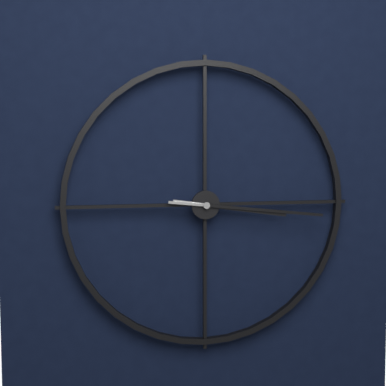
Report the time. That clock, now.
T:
3:16
